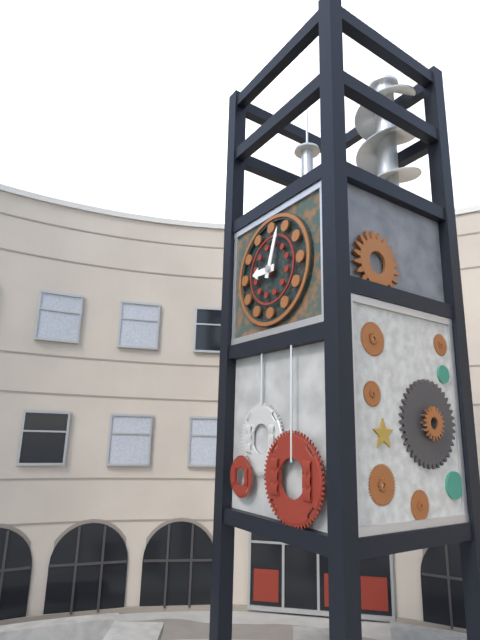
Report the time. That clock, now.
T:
9:03
